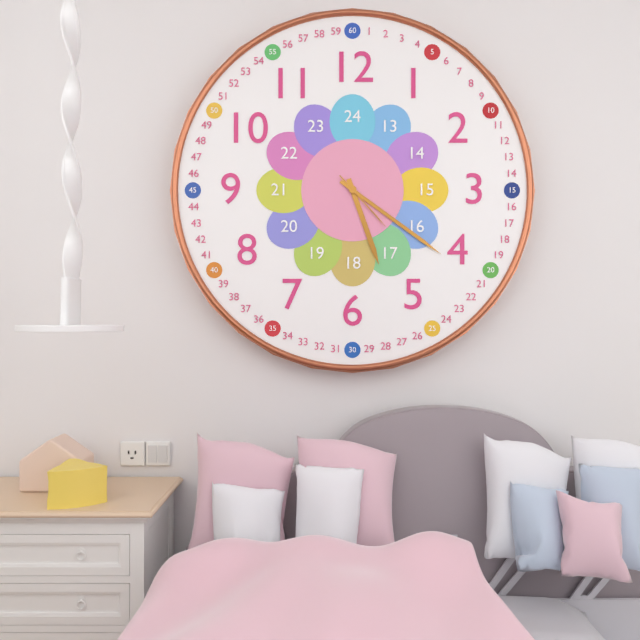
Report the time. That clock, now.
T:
5:21:23
